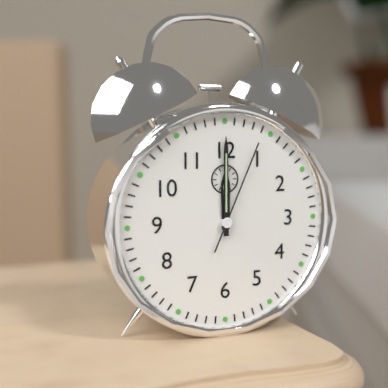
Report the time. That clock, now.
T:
12:00:04
